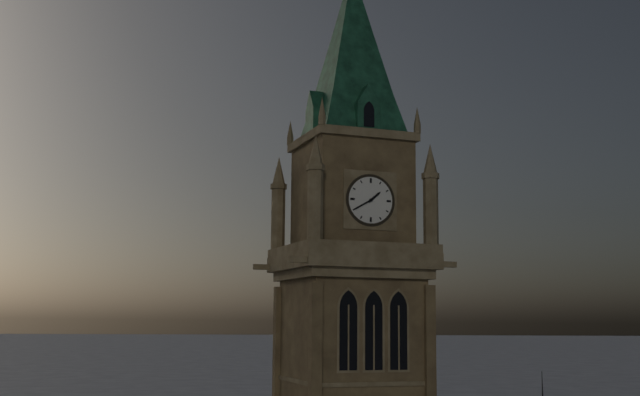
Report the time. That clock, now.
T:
1:40
